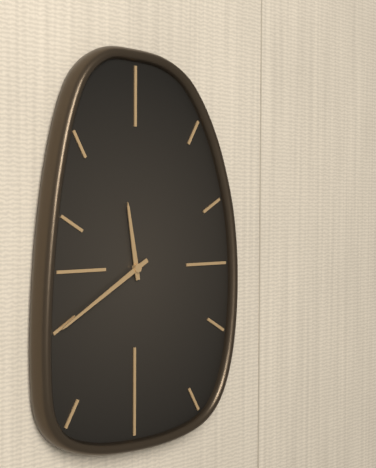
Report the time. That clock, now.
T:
11:40
